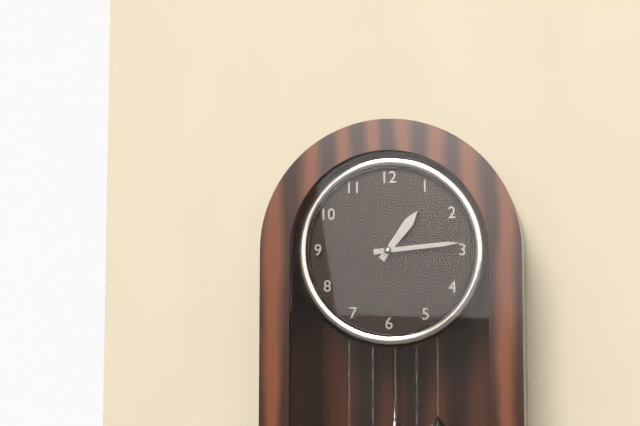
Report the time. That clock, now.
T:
1:14
